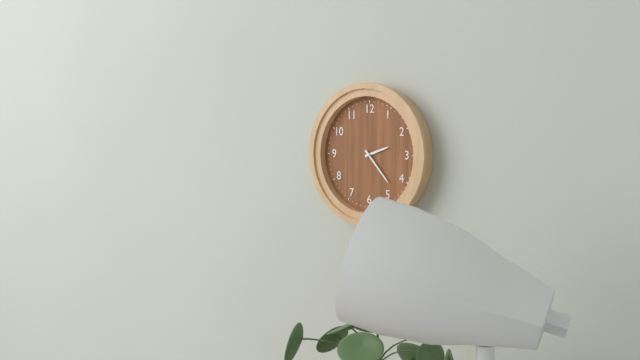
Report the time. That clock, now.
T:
2:23
